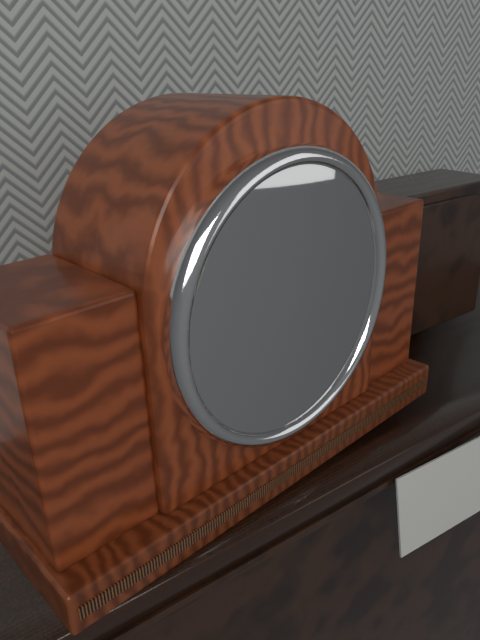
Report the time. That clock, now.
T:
6:29
